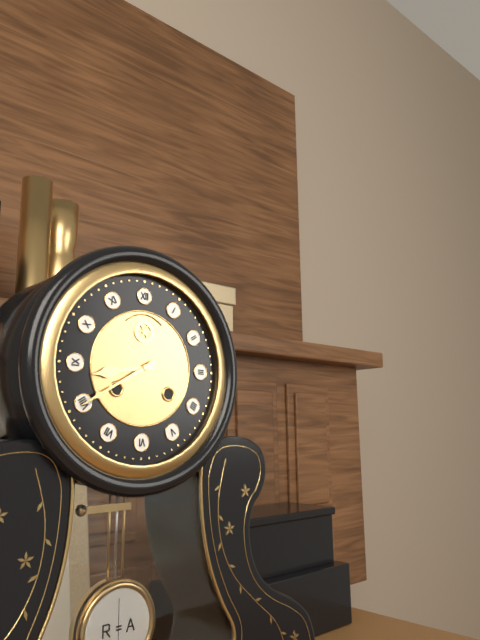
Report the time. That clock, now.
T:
8:40
